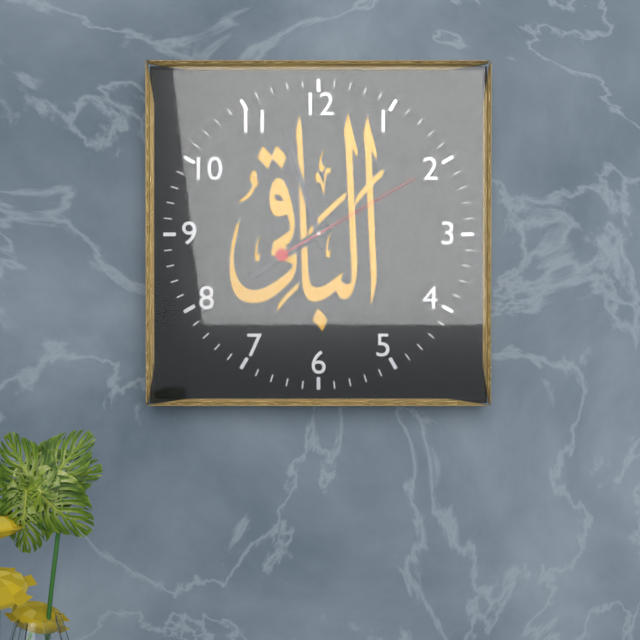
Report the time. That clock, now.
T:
7:57:10
